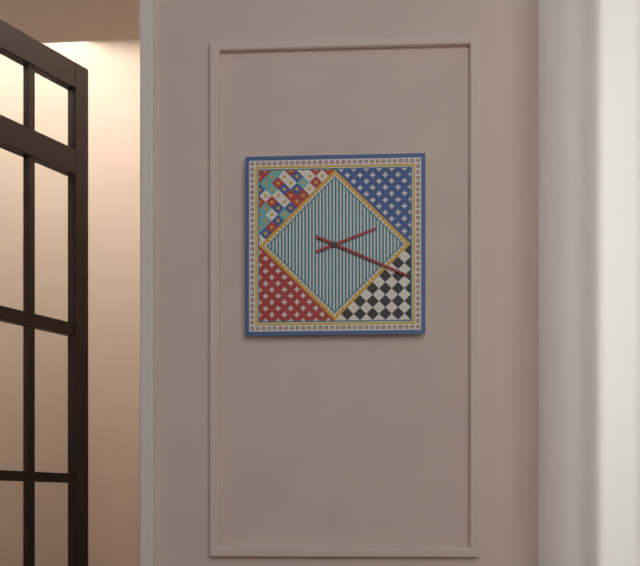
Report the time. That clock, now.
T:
2:19
